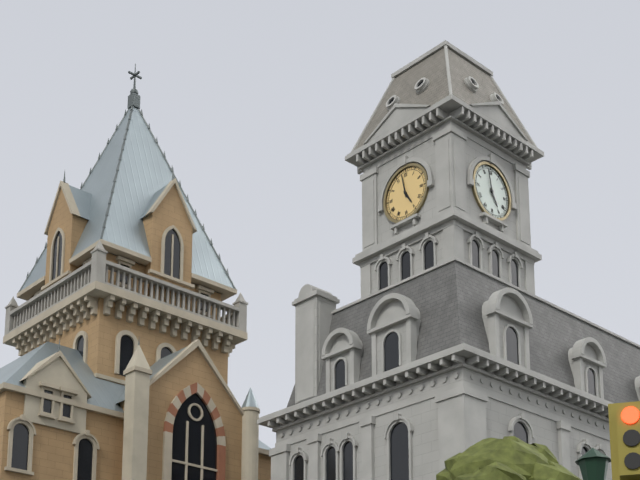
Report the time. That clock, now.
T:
4:58
